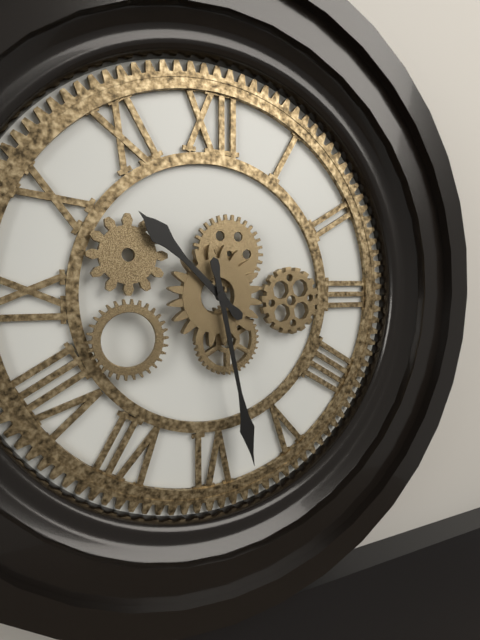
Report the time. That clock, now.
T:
10:28
